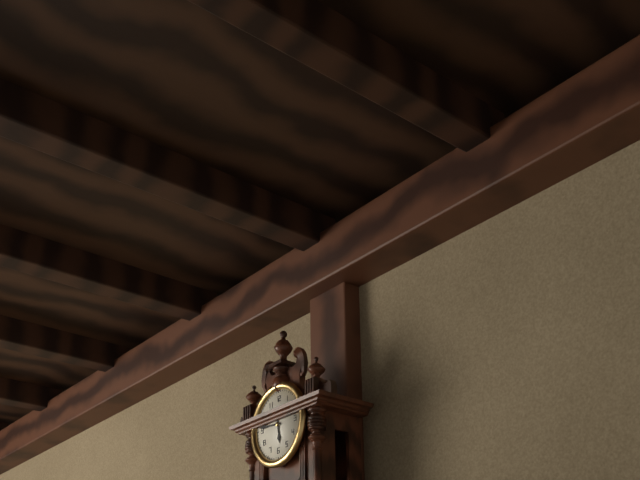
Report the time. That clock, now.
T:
5:46
